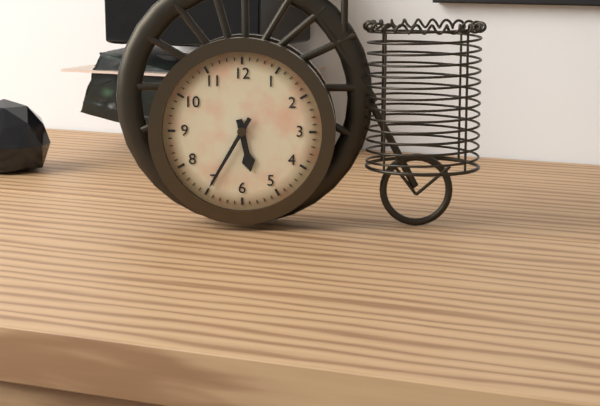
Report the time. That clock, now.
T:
5:35
